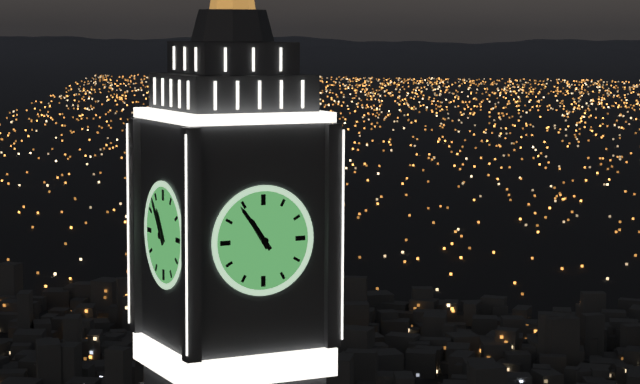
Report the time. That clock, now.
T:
10:54
